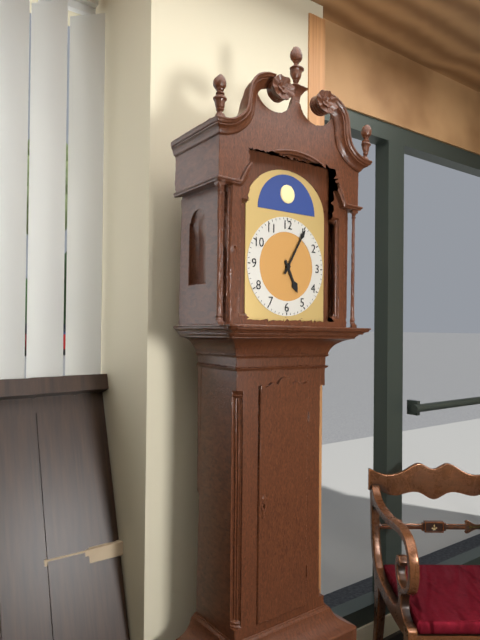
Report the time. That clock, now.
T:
5:05
